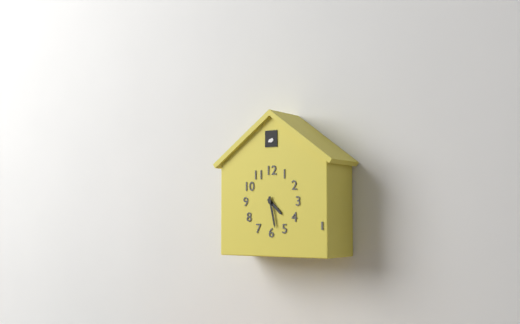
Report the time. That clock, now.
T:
4:28
